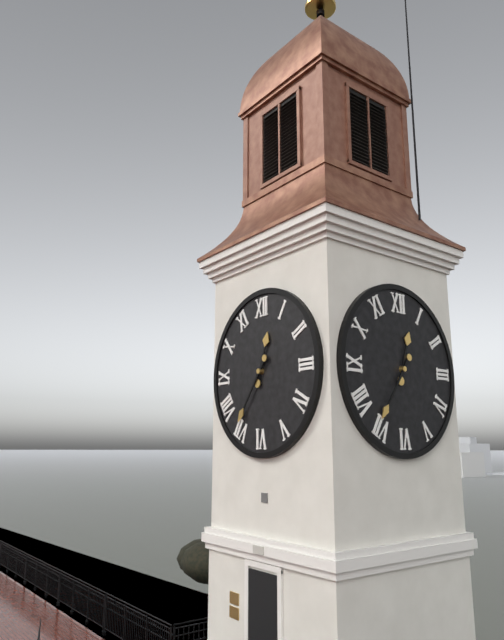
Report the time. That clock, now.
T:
12:36
